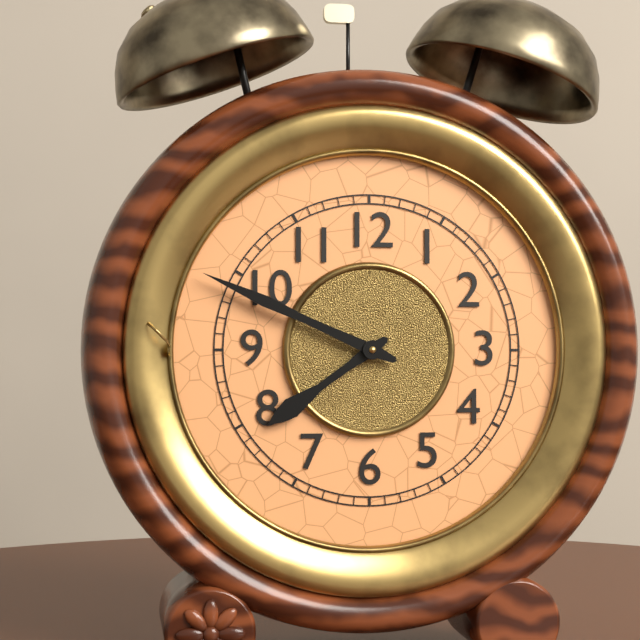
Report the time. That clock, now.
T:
7:49
